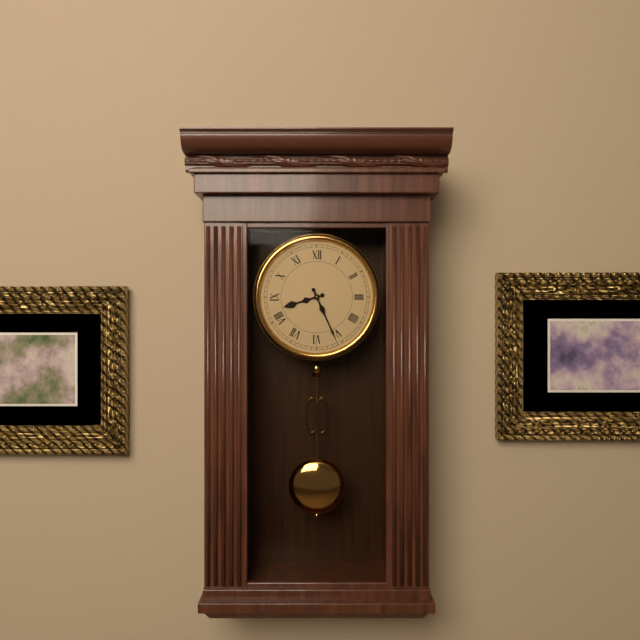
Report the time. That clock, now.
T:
8:26
